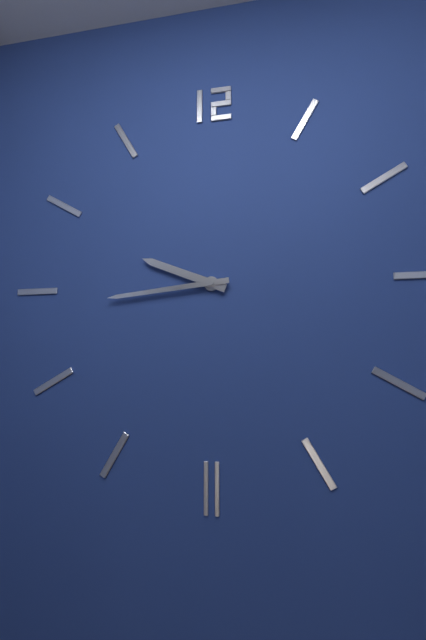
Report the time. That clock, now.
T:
9:44
